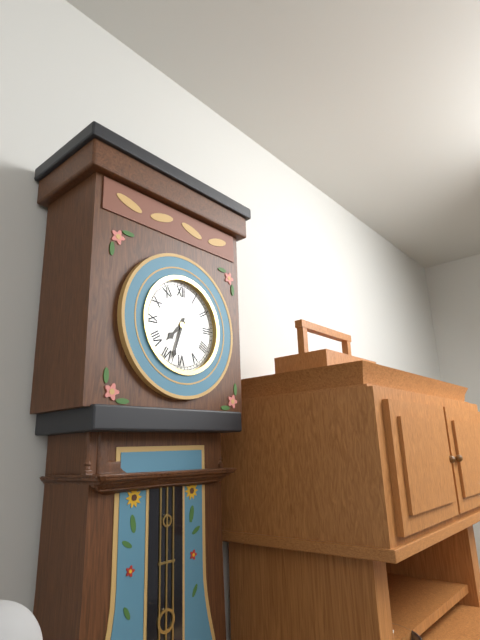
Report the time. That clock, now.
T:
7:33
